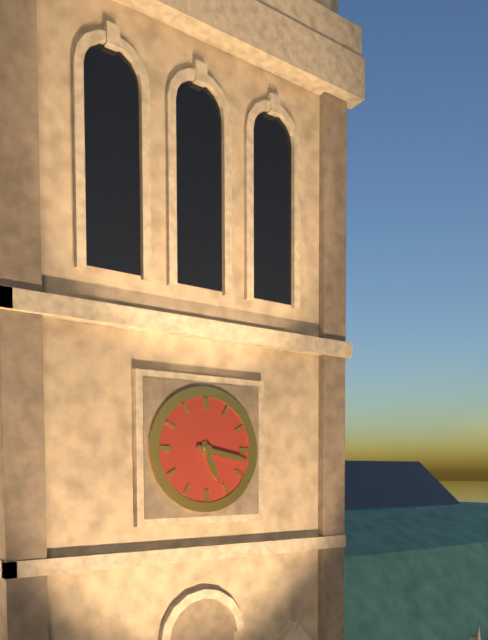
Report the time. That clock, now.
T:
5:17
